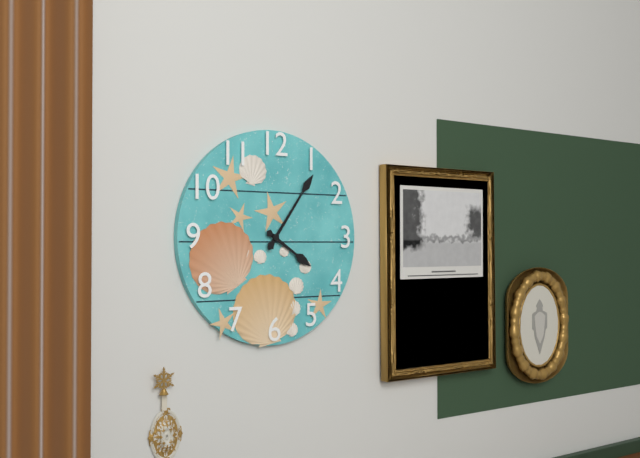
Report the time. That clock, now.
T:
4:06
